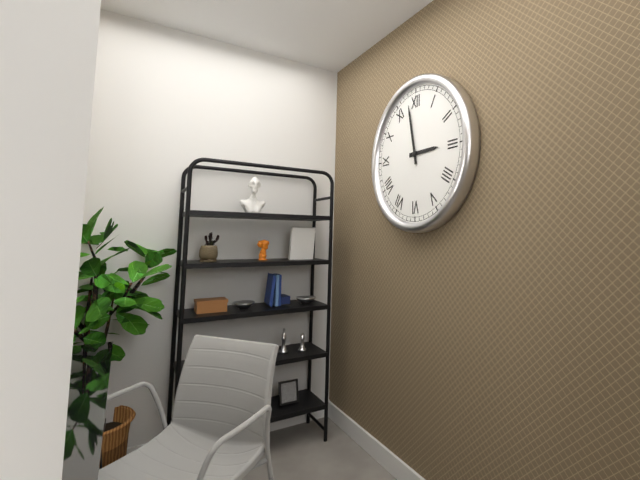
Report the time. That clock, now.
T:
2:58
